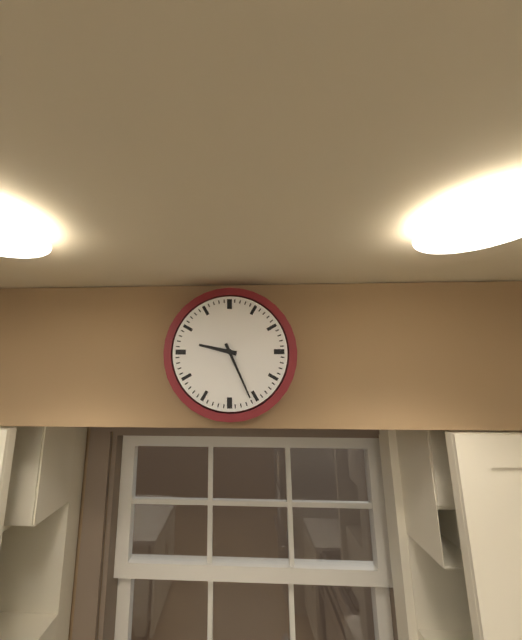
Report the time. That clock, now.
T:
9:26
